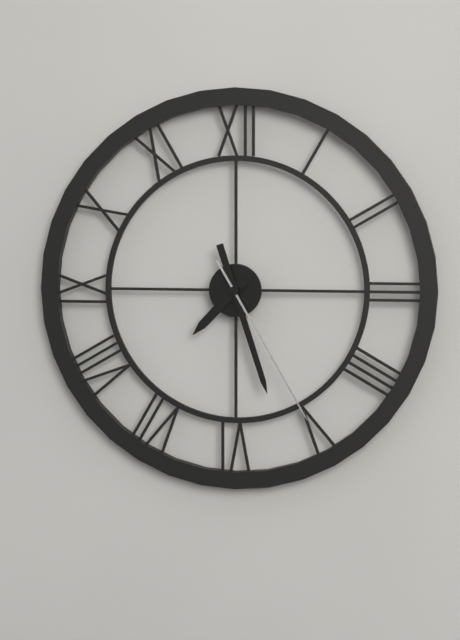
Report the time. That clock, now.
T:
7:27:25
